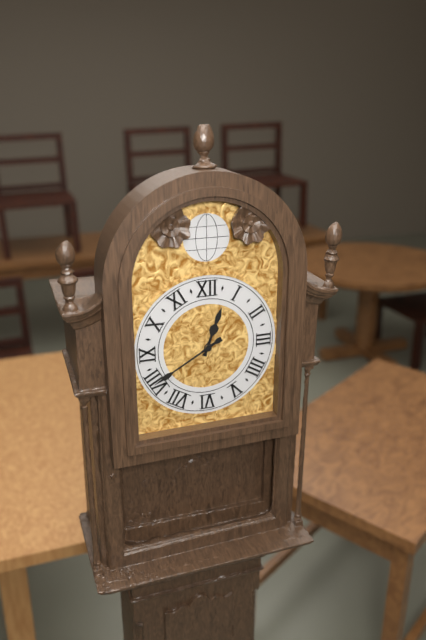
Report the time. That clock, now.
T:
12:40
